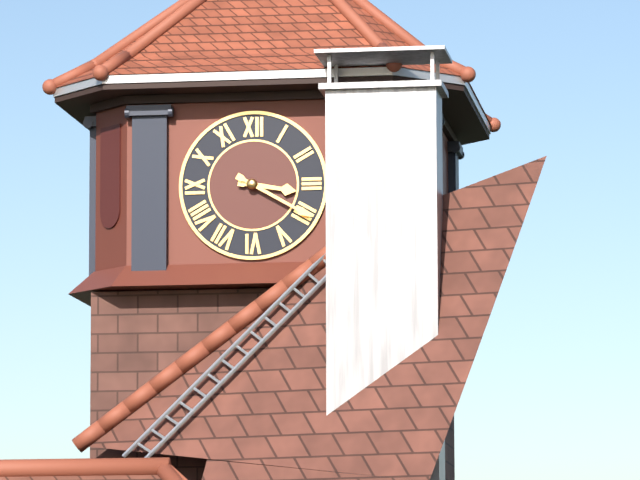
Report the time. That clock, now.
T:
3:20
